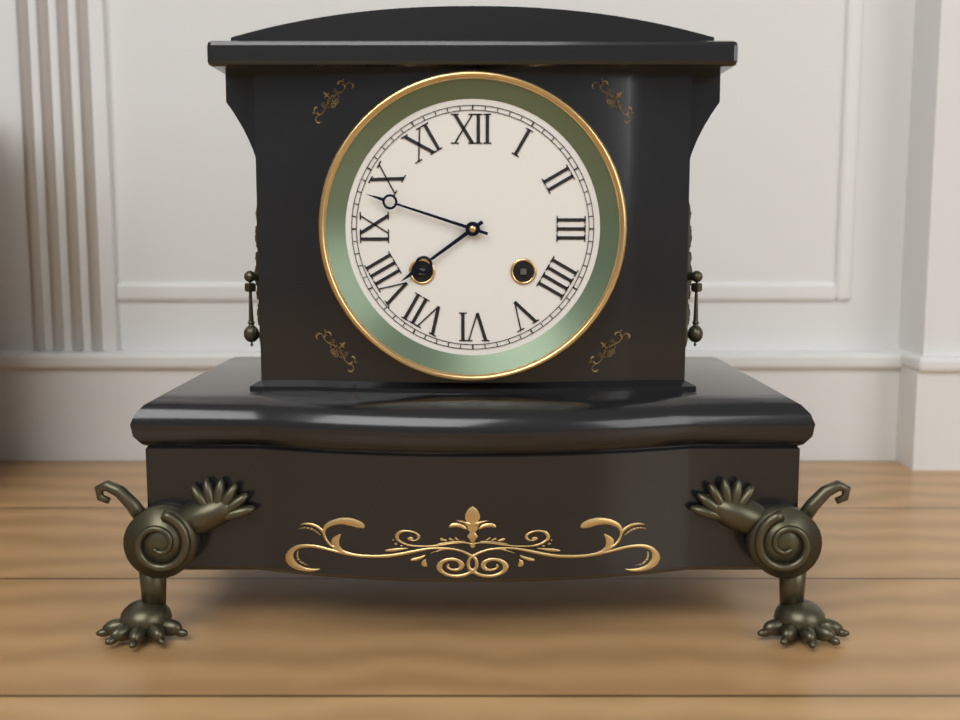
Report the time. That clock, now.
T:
7:48
